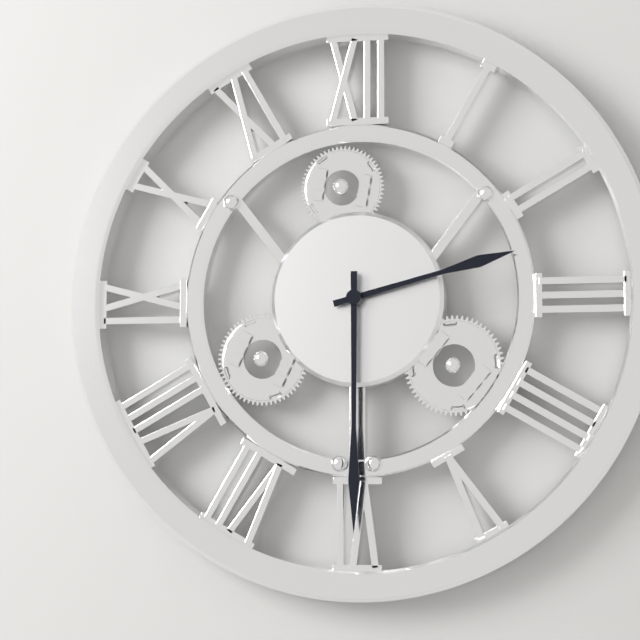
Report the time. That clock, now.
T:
2:30
